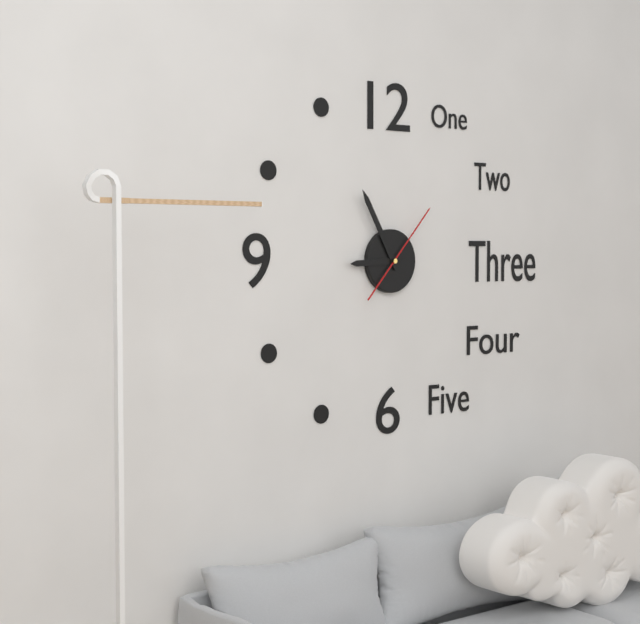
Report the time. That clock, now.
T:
8:55:07
